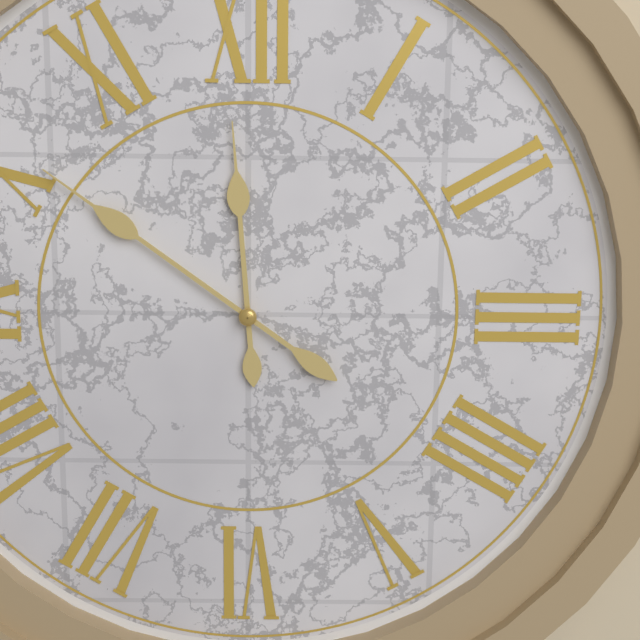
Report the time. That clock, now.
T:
11:51
